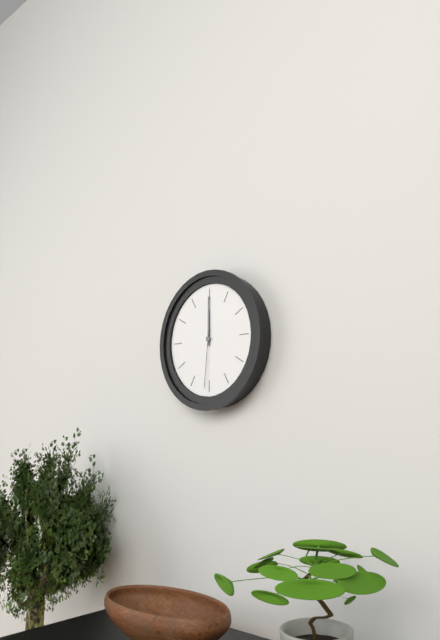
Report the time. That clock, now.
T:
12:00:31
